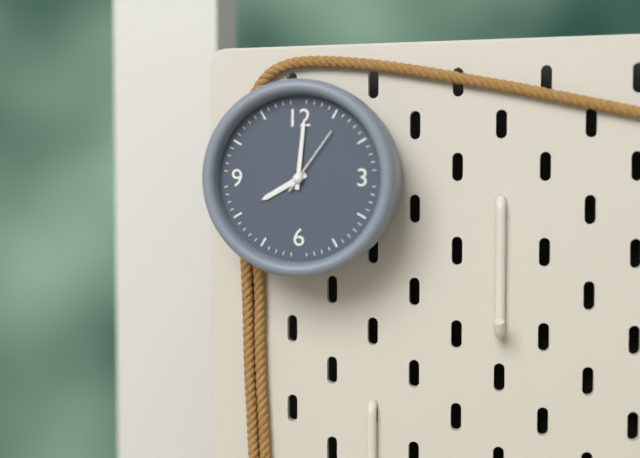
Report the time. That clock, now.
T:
8:01:06
